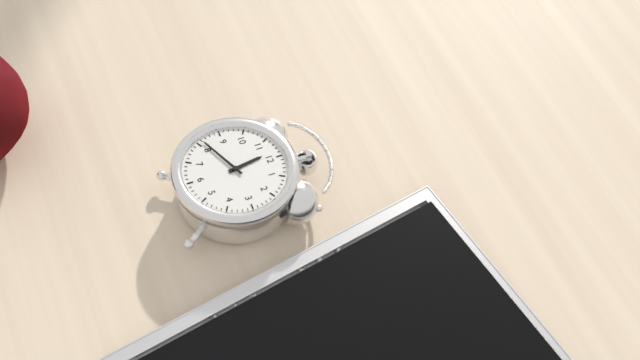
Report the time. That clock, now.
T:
11:41
